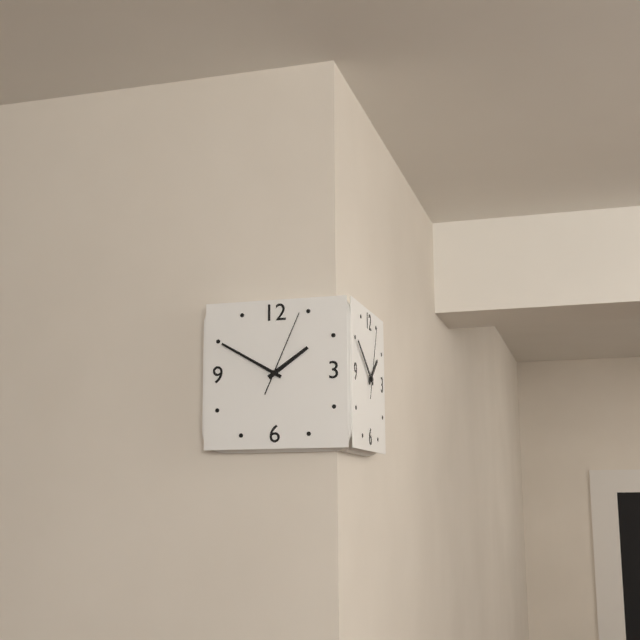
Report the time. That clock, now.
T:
1:50:04
